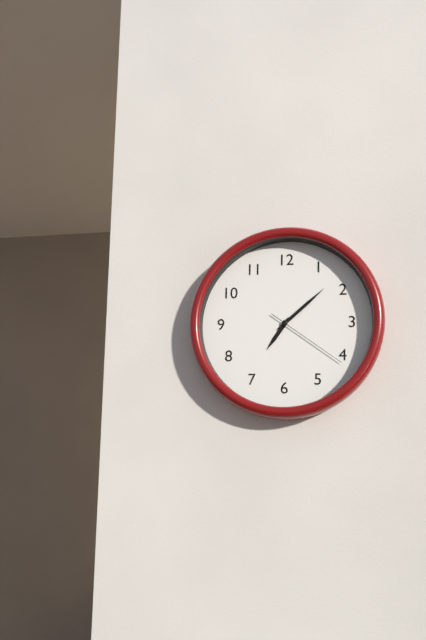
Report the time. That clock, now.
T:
7:08:21
